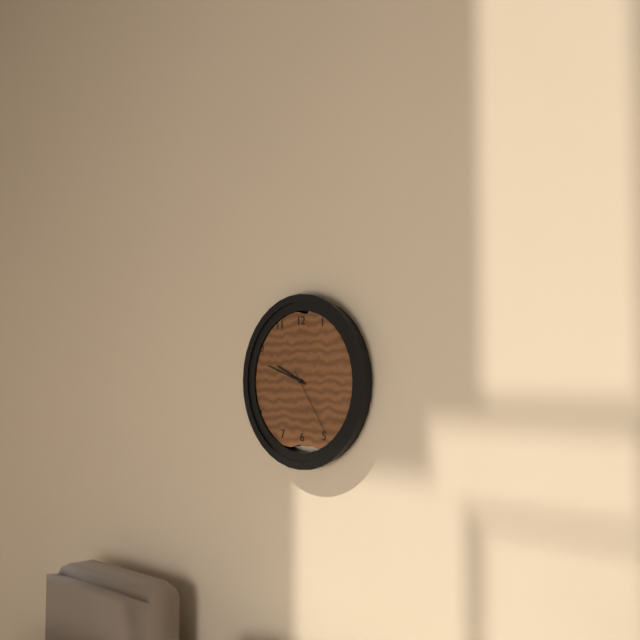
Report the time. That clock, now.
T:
9:48:24
